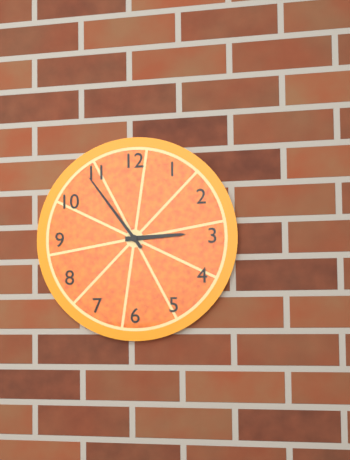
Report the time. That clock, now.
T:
2:54
